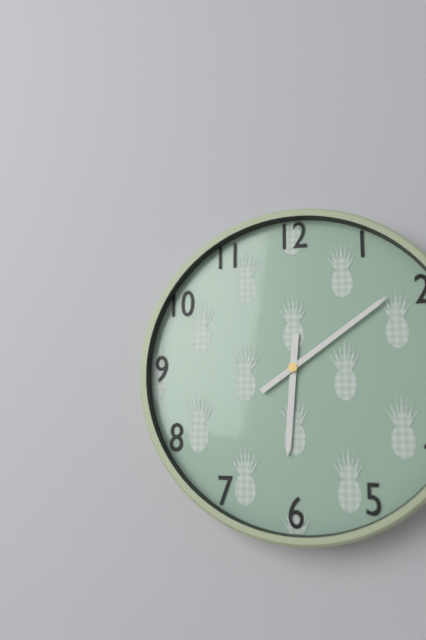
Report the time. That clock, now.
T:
6:09
